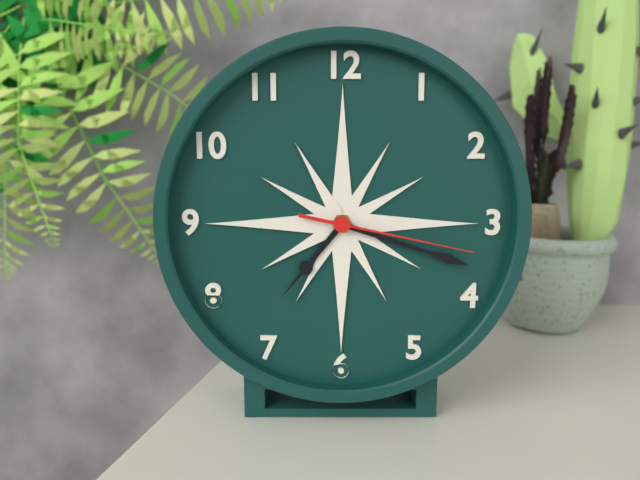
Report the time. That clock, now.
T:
7:18:17
